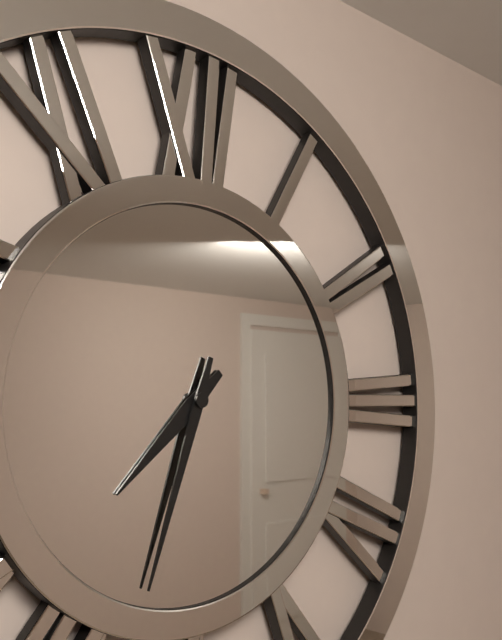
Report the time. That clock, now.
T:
7:33
